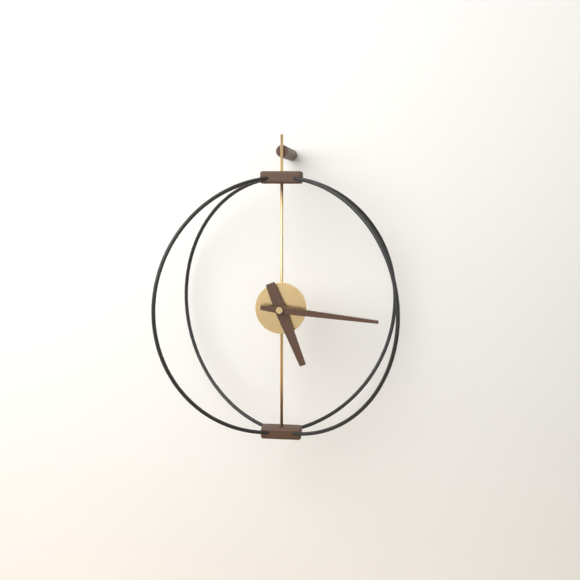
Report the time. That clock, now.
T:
5:16
